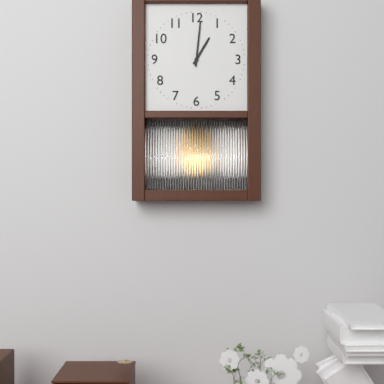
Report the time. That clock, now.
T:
1:01
